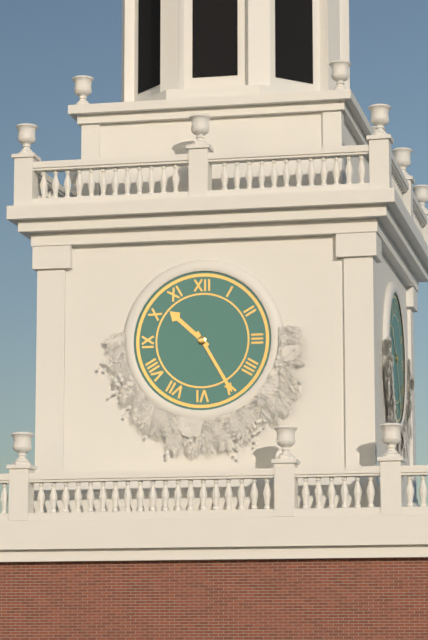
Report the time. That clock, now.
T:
10:25
